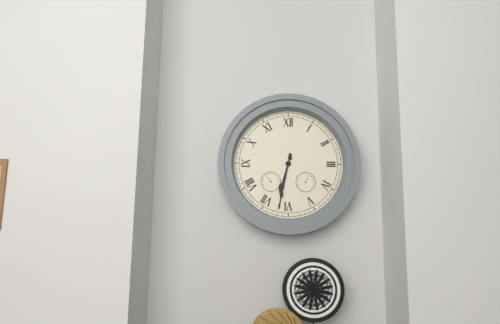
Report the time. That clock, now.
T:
6:32
